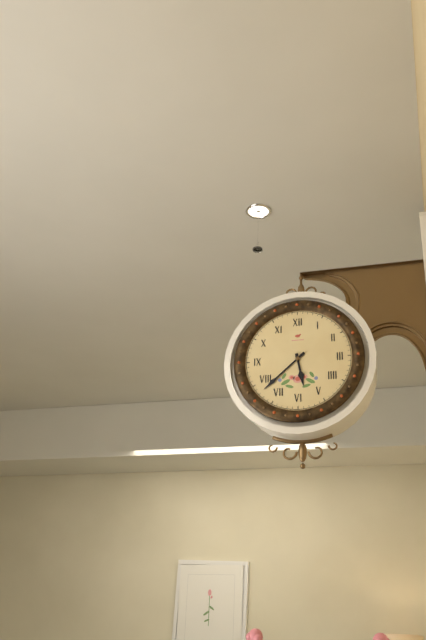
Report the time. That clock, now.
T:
5:38
